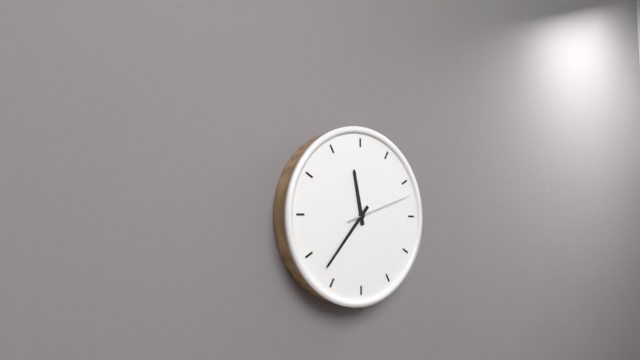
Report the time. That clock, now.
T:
11:37:12
